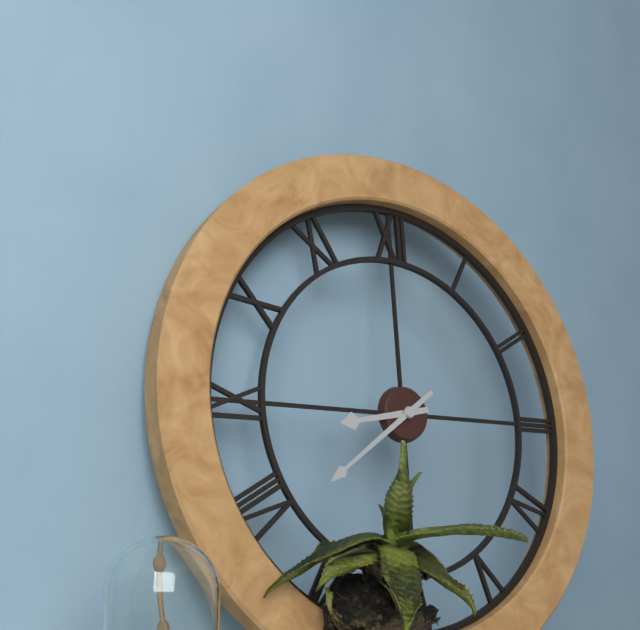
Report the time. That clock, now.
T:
8:39
